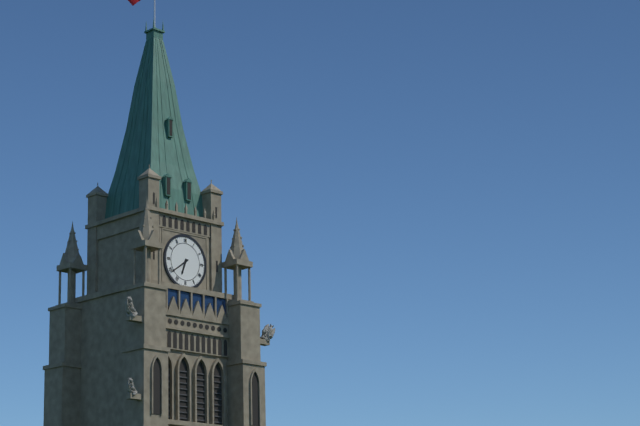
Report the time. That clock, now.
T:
6:39
